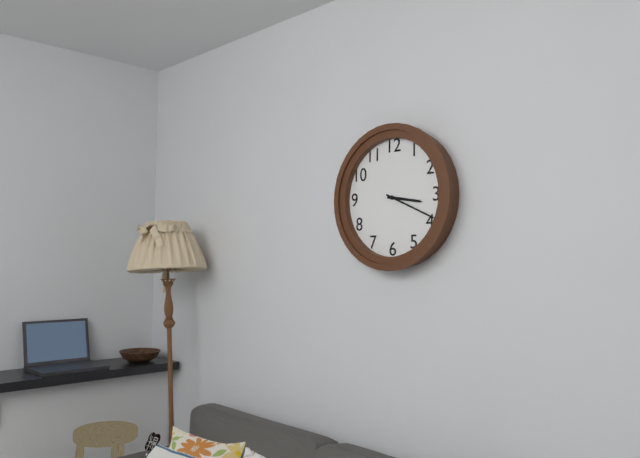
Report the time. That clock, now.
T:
3:19
